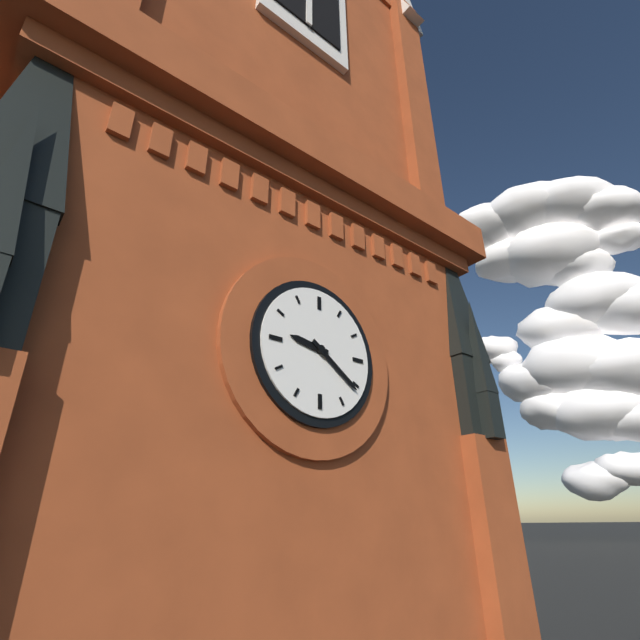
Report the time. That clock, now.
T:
9:21
